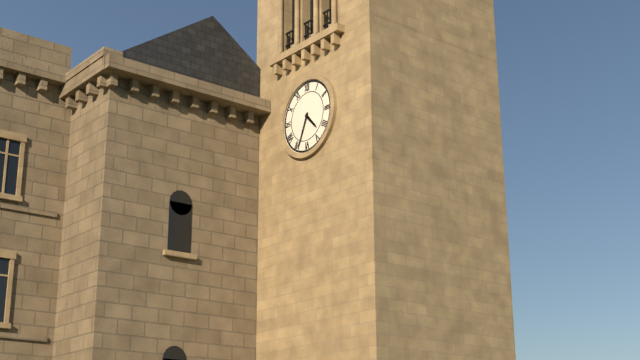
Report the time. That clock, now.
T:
4:34
